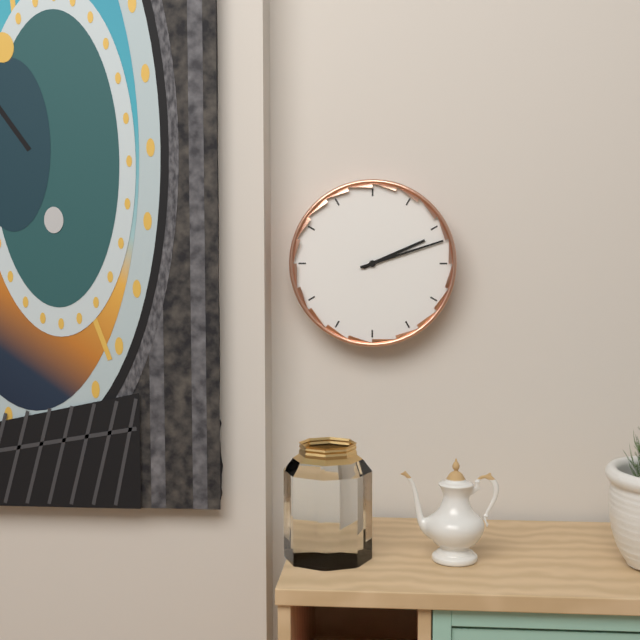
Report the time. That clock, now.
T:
2:12
